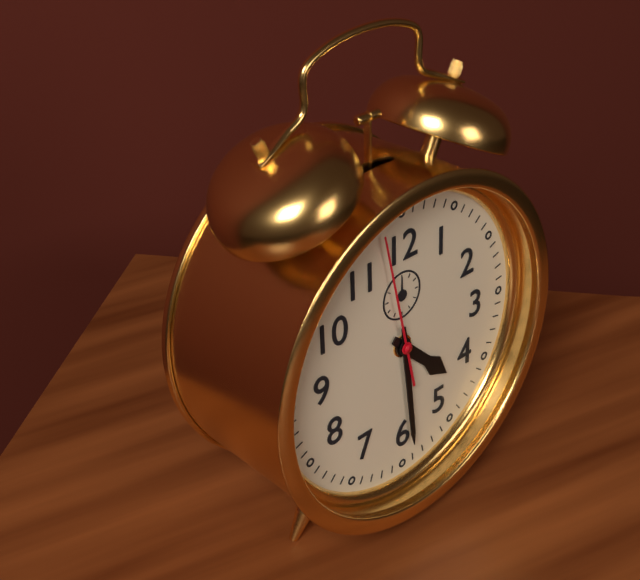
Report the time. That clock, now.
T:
4:29:58
